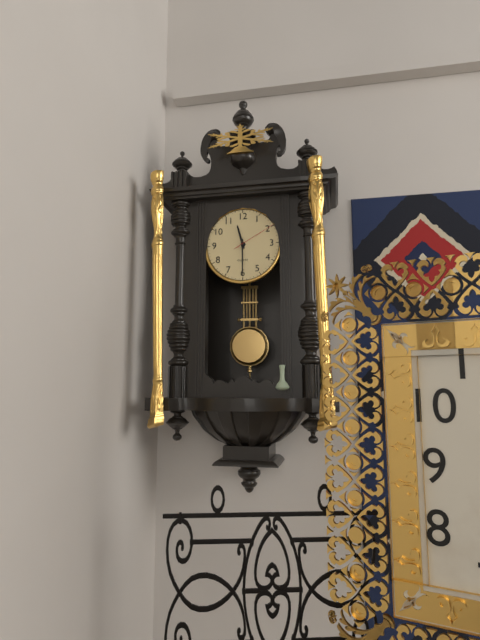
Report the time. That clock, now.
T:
11:30
